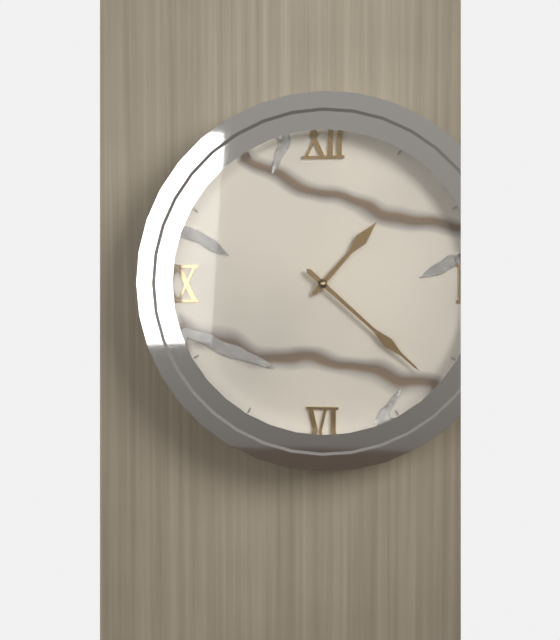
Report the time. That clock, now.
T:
1:22
